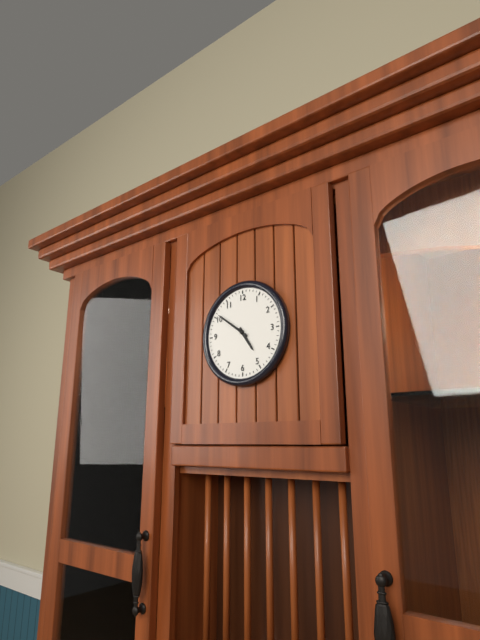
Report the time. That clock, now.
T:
4:51
